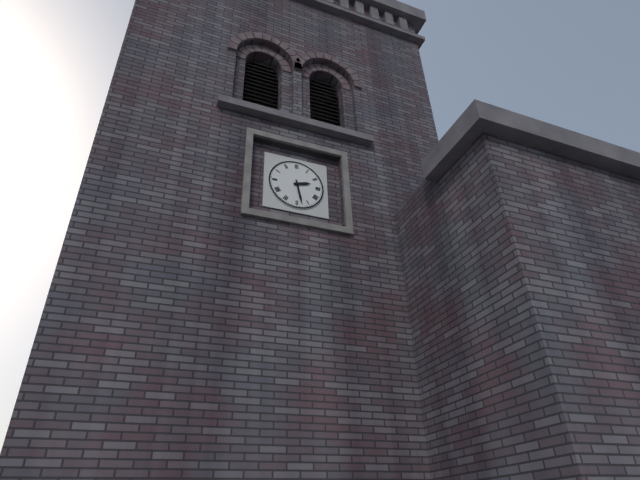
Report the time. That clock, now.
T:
2:28
